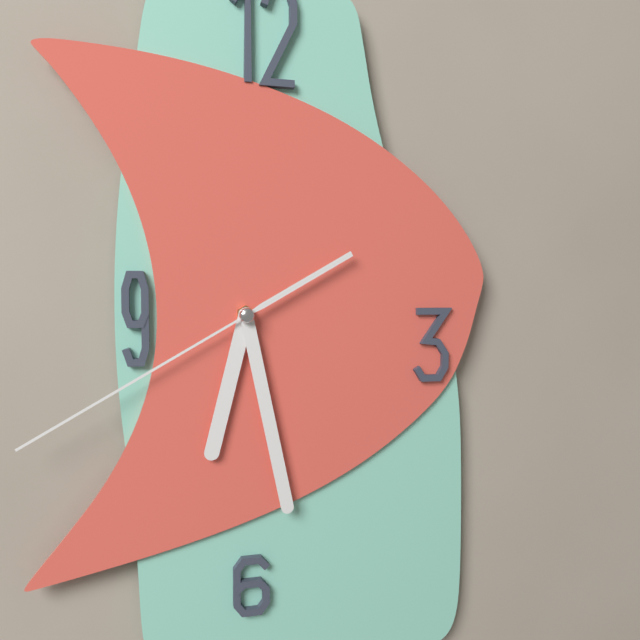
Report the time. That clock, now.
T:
6:28:40
